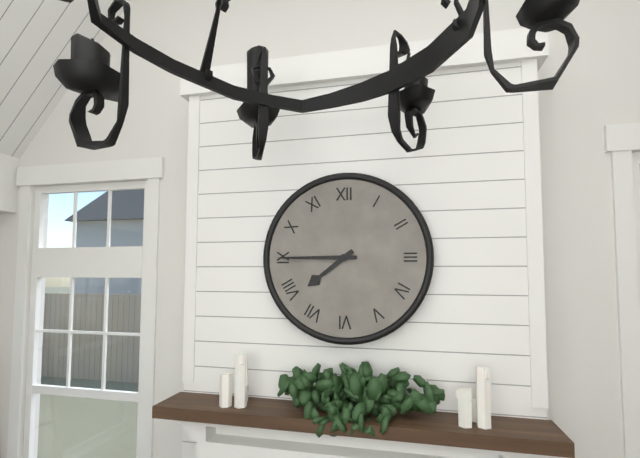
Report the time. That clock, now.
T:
7:45
